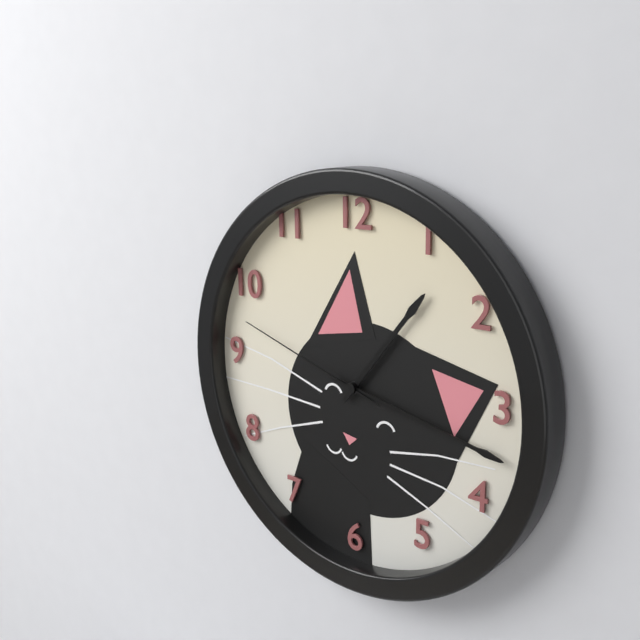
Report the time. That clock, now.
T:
1:17:48
